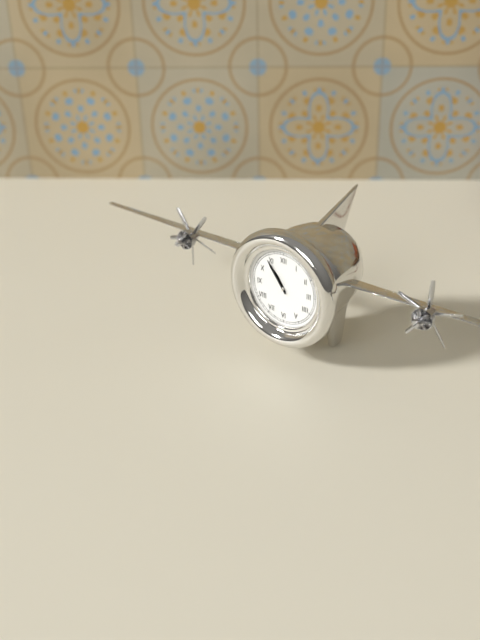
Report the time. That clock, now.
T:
10:54
